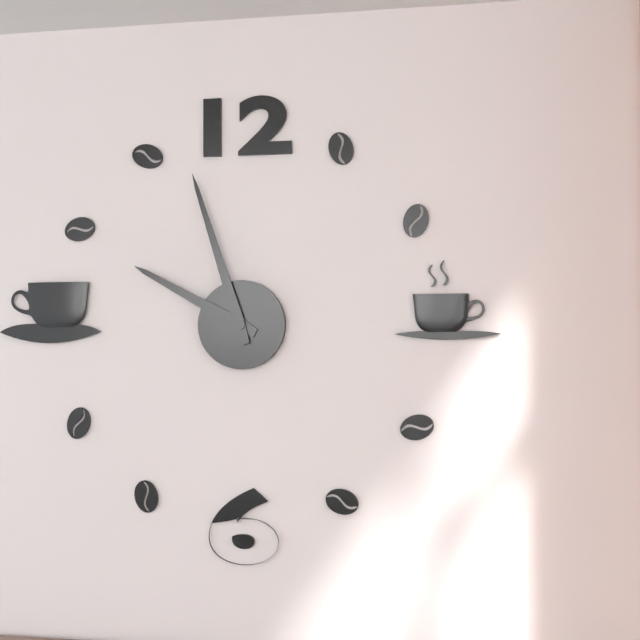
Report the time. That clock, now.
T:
9:57
